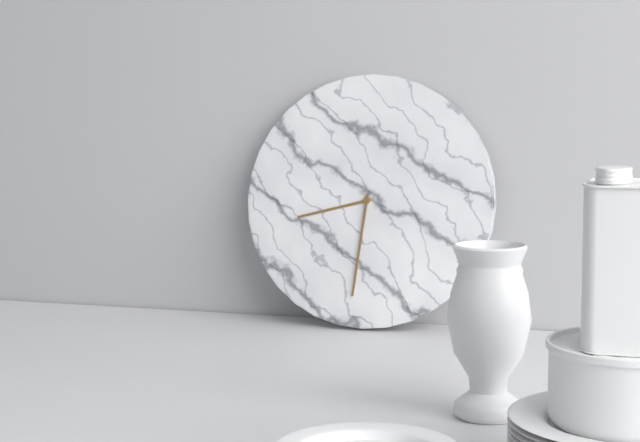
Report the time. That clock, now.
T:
8:31
